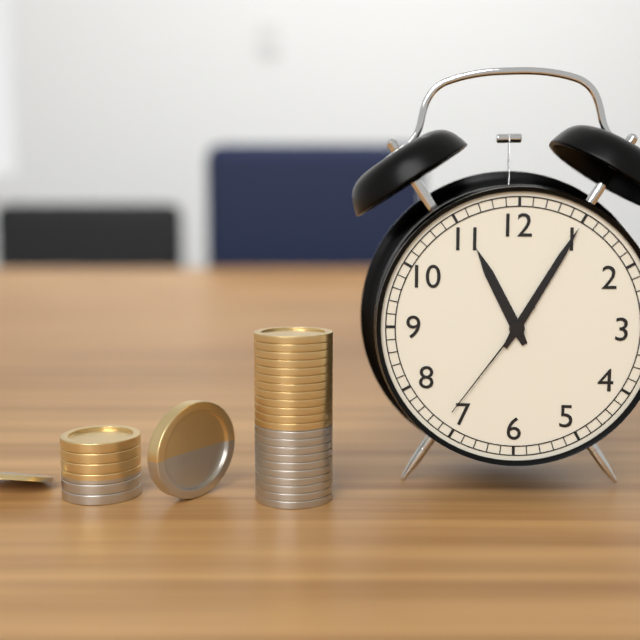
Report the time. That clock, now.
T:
11:05:36
